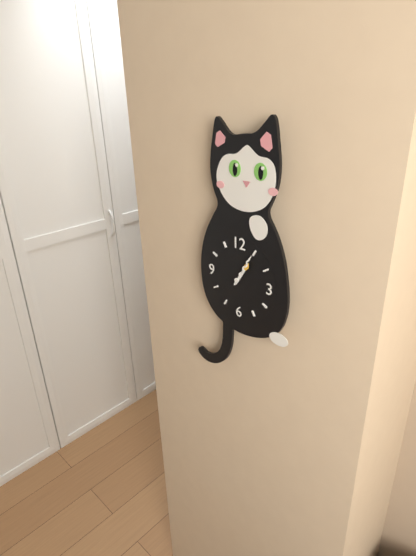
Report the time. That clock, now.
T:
1:05
